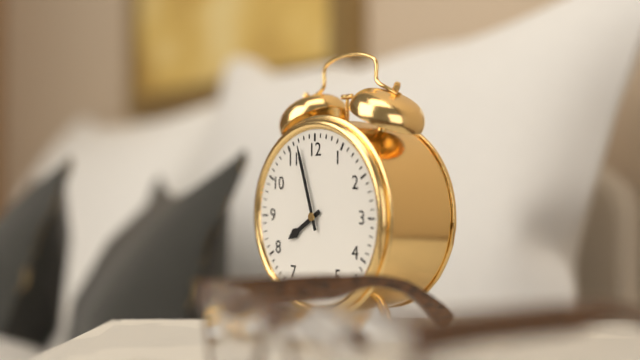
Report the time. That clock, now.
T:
7:57
